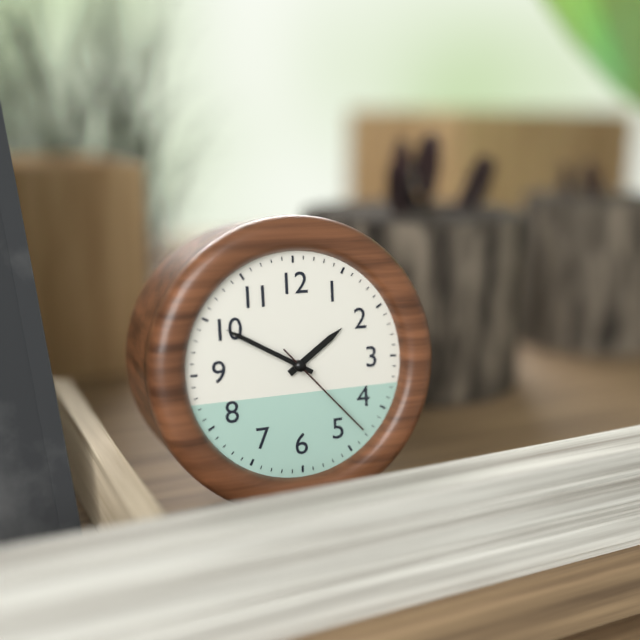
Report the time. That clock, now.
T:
1:50:23
